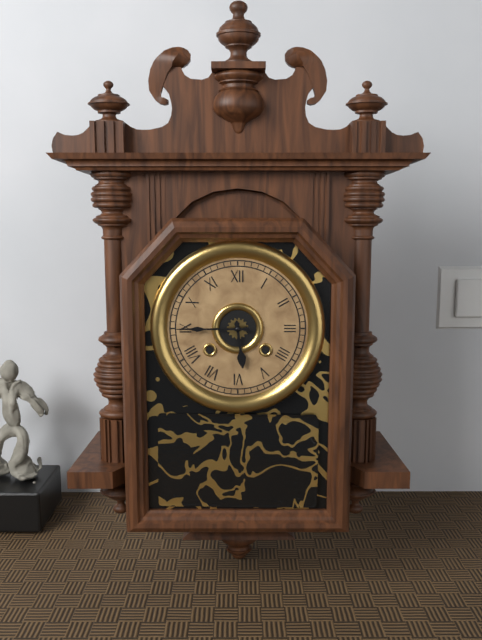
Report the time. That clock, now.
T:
5:45
